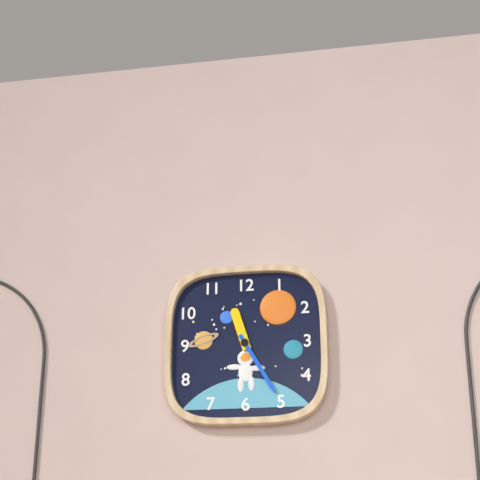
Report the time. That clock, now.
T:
11:25
